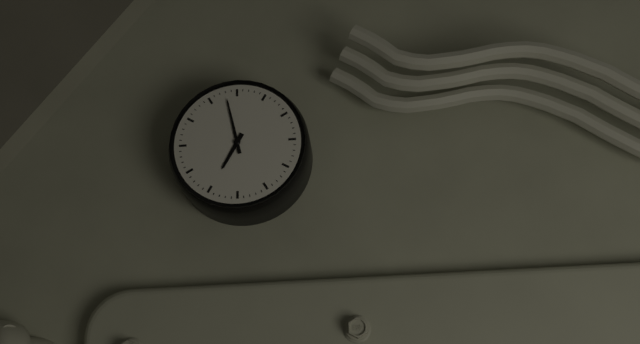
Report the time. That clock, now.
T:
6:58
